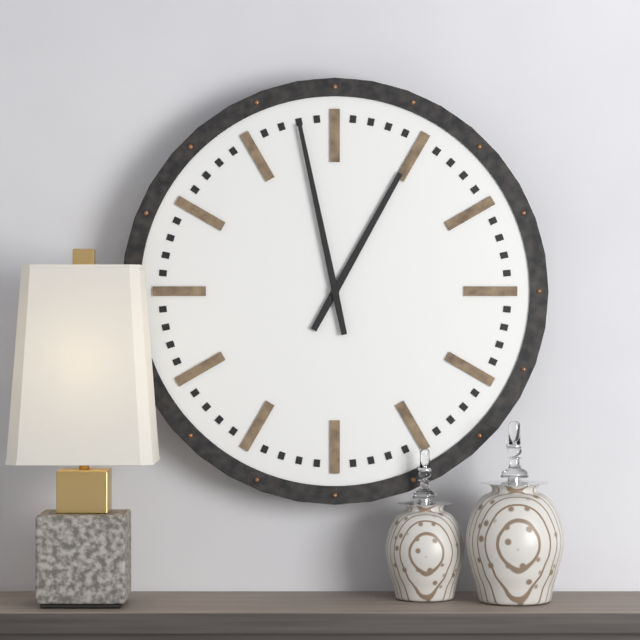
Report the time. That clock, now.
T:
12:58
